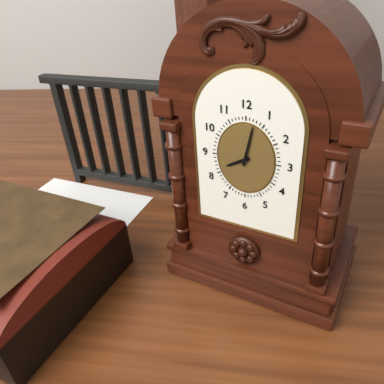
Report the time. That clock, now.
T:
8:02
